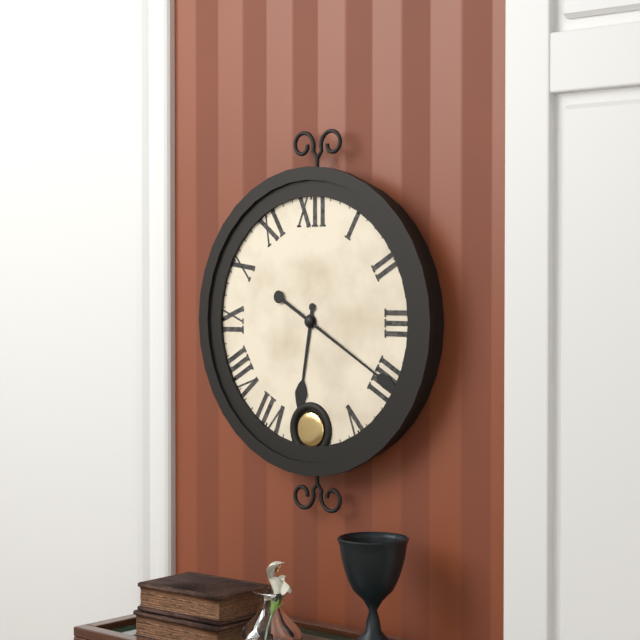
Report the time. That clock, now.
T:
6:20
